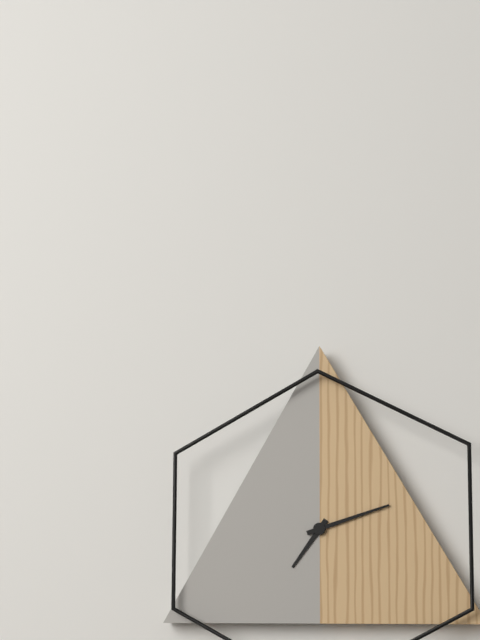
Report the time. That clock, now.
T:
7:12
